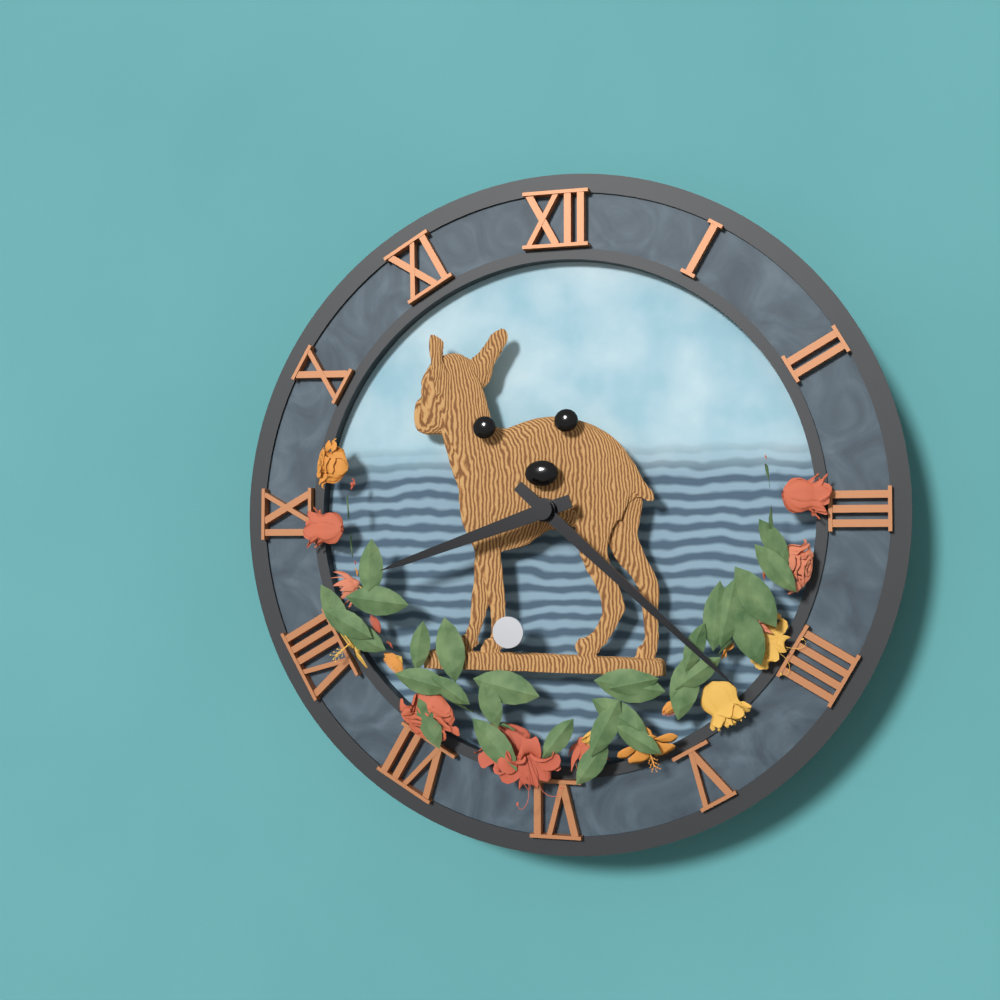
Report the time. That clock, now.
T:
8:22
